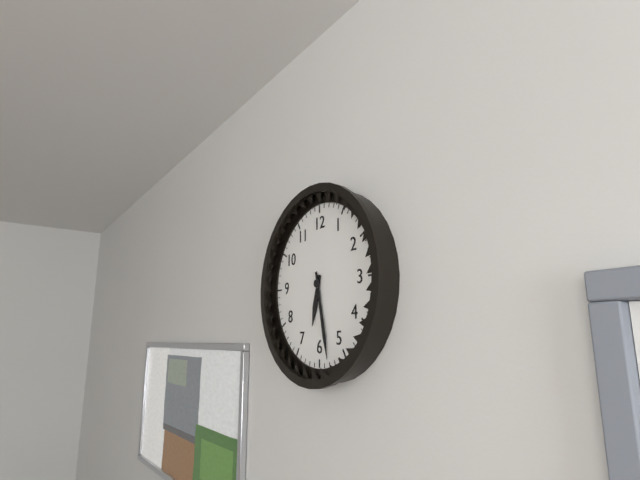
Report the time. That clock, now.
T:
6:28
